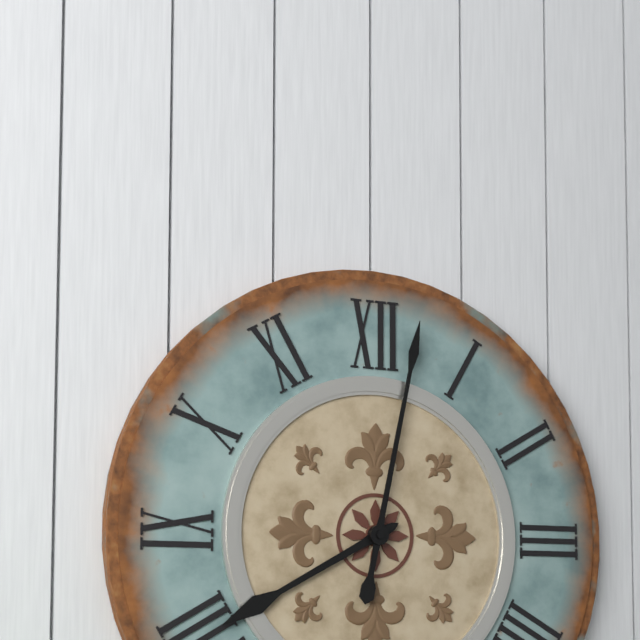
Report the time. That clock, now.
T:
8:02
